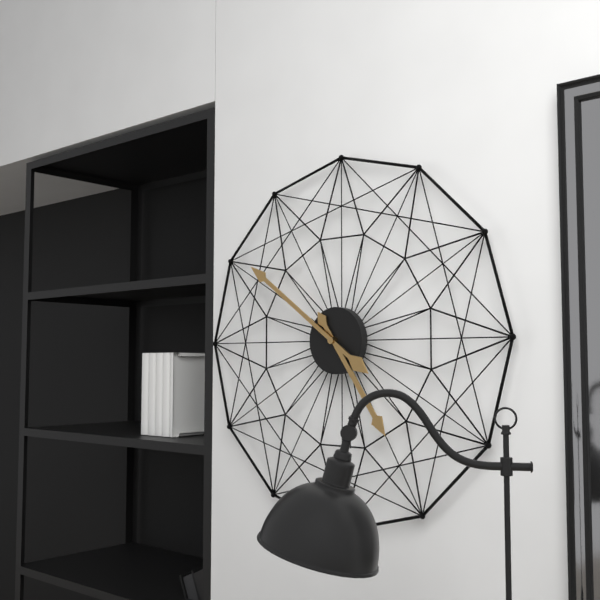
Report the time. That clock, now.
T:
4:51
